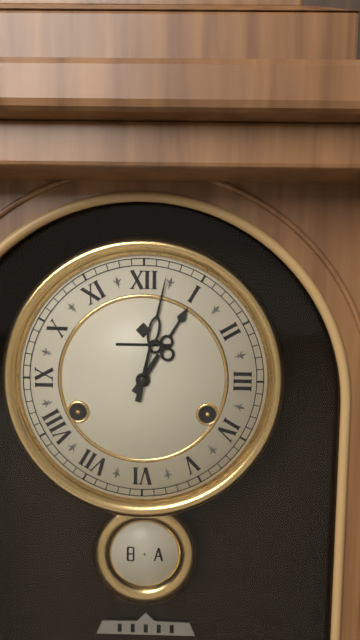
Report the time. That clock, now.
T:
1:02
